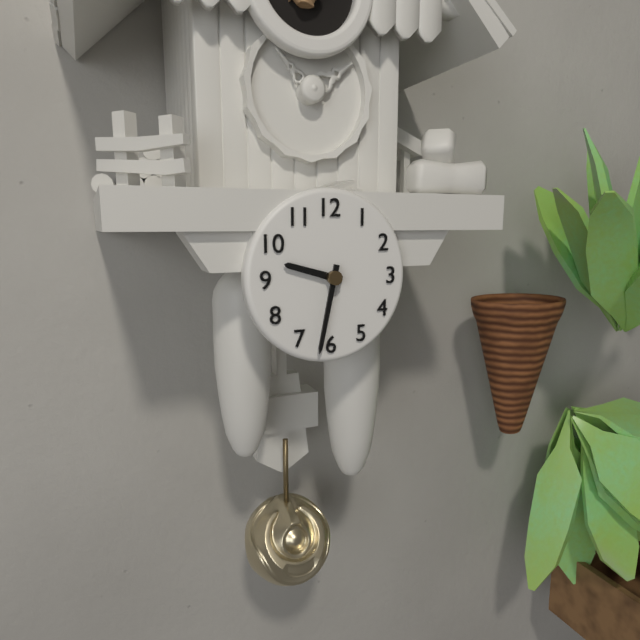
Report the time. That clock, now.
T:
9:32
